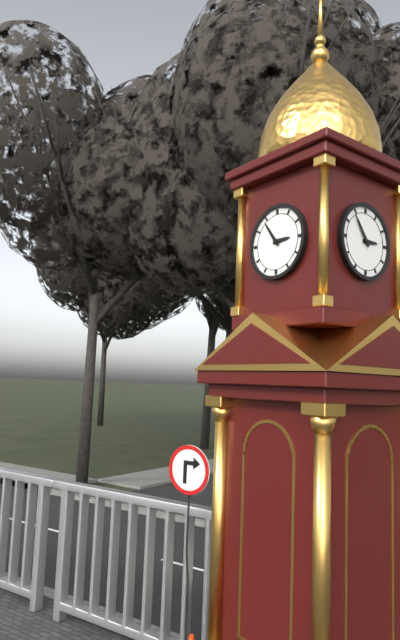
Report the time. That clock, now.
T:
2:54
